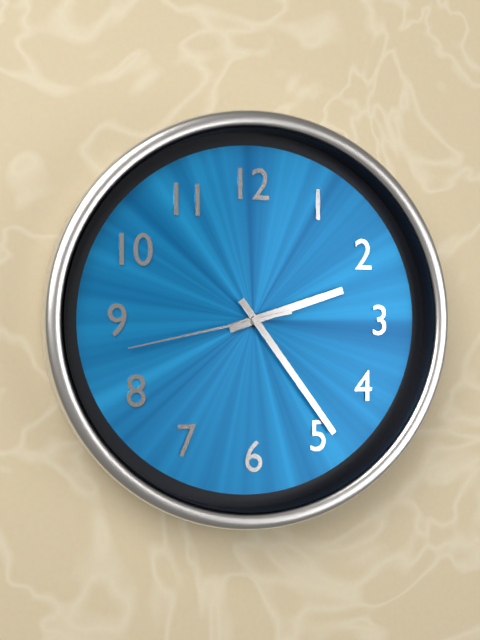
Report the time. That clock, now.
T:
2:24:43
